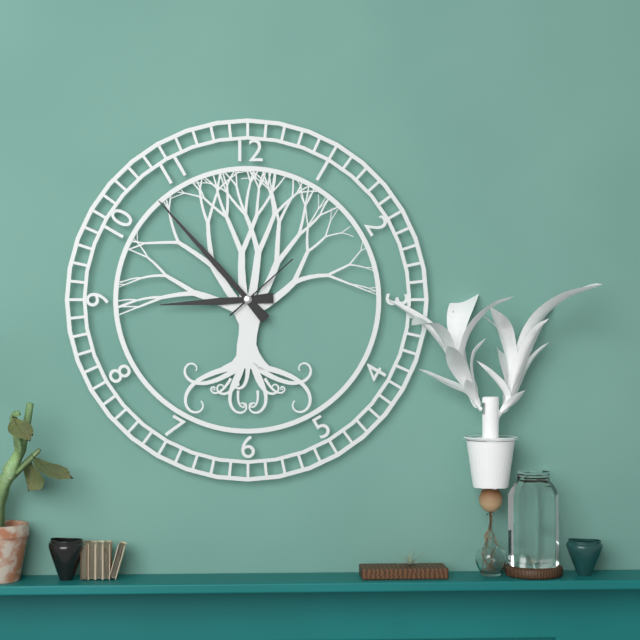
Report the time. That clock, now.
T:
8:53:08
